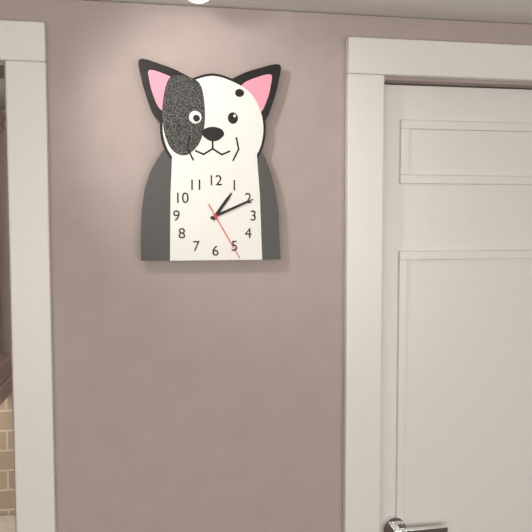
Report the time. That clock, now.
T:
1:11:25
